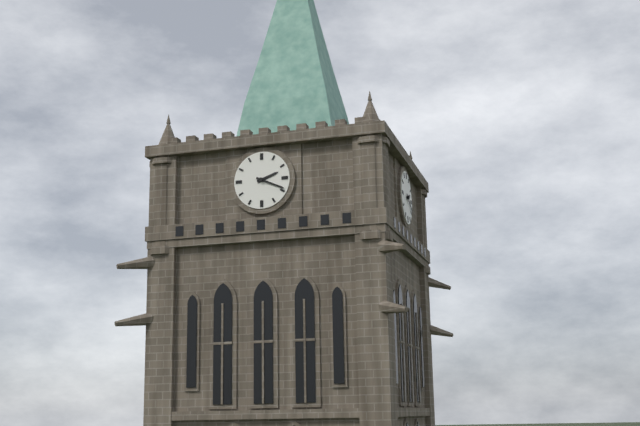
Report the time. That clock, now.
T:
2:19
